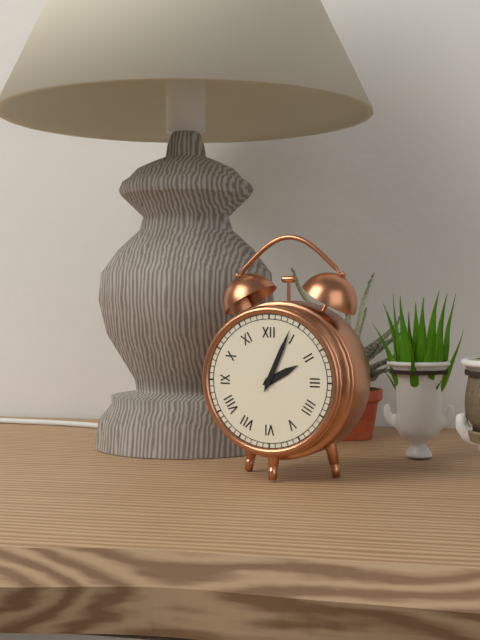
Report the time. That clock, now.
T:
2:04
